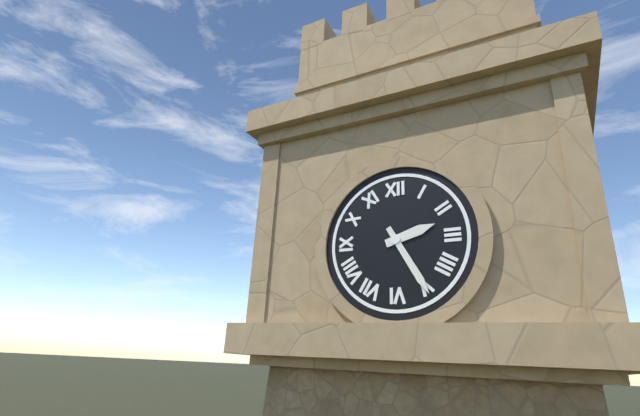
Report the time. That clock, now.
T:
2:25
